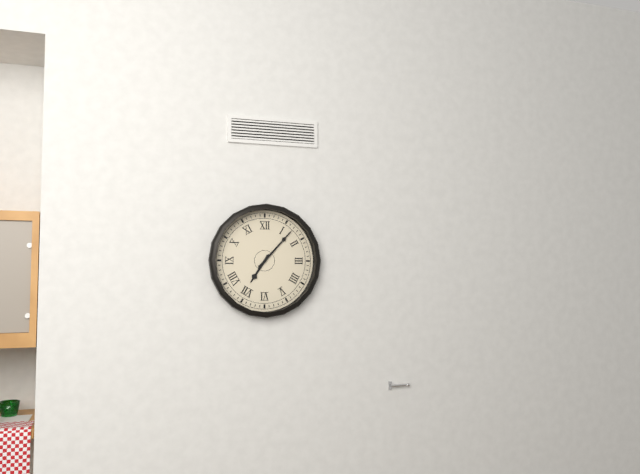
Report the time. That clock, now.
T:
7:07
